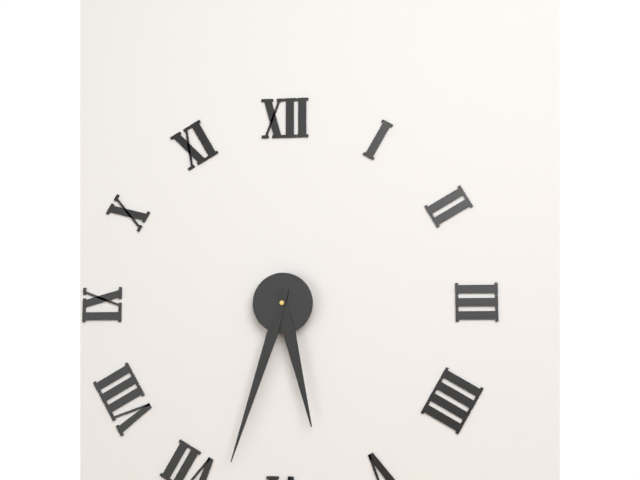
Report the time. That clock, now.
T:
5:33
